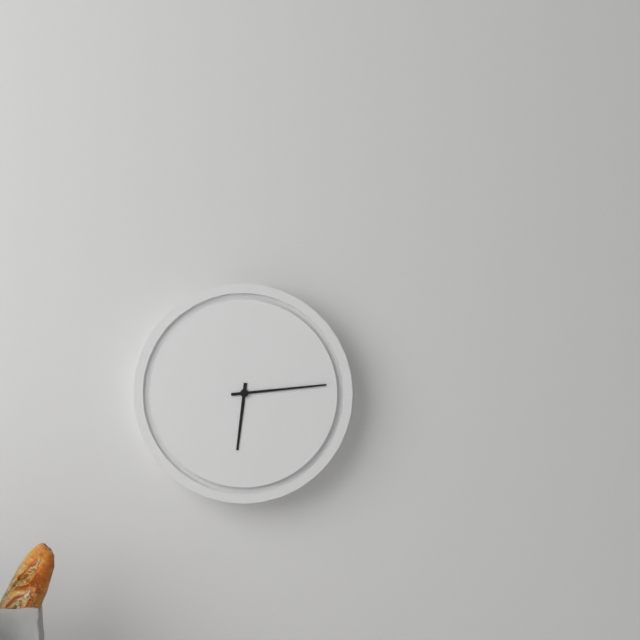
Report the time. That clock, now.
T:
6:14
